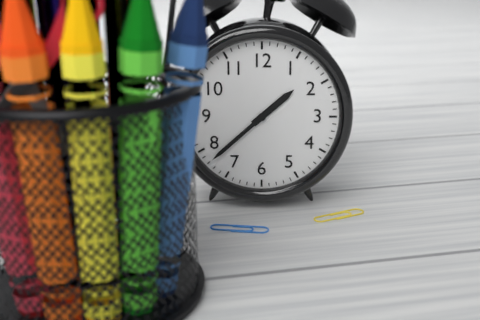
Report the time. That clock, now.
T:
1:38
